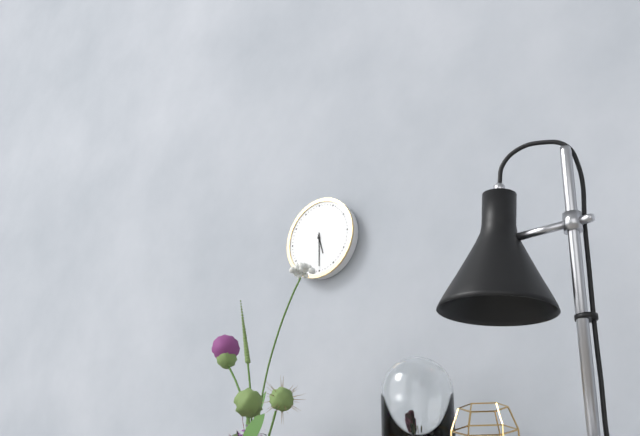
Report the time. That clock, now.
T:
5:30
